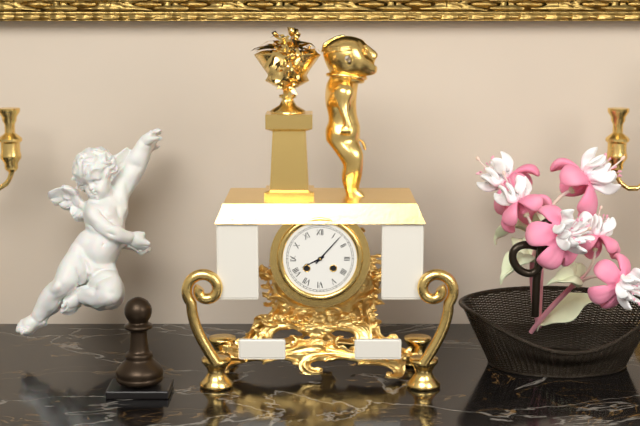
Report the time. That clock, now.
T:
8:07
